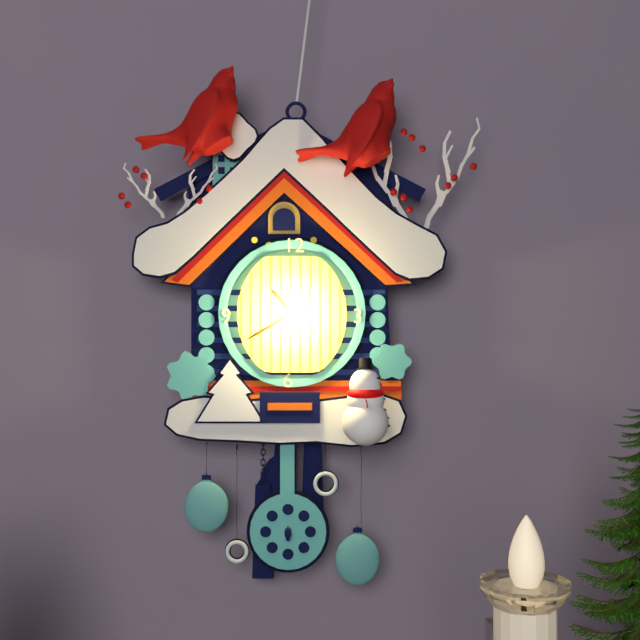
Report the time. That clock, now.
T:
10:40
